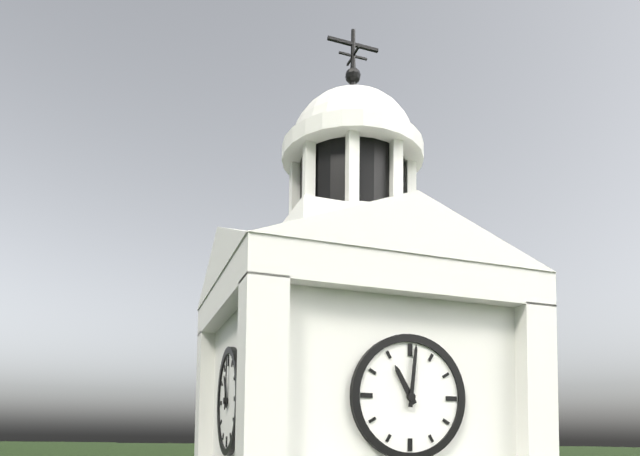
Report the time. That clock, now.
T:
11:01
